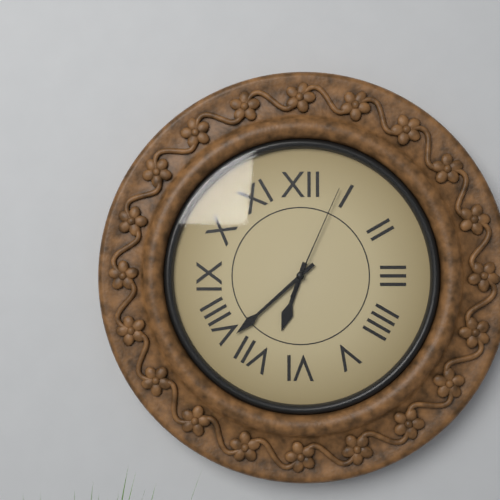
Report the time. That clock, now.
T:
6:38:04
